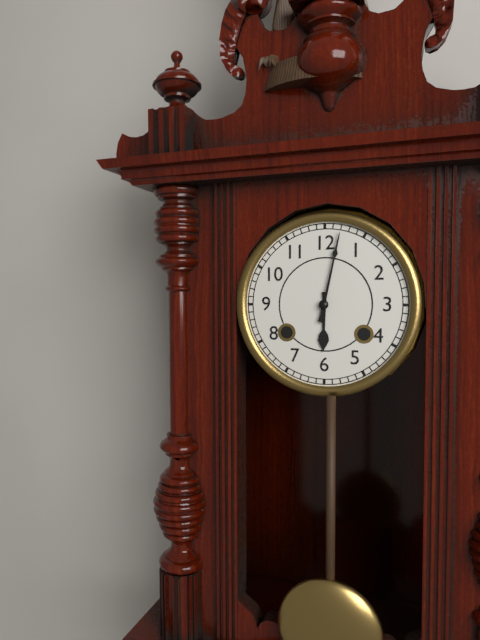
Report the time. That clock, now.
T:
6:02
